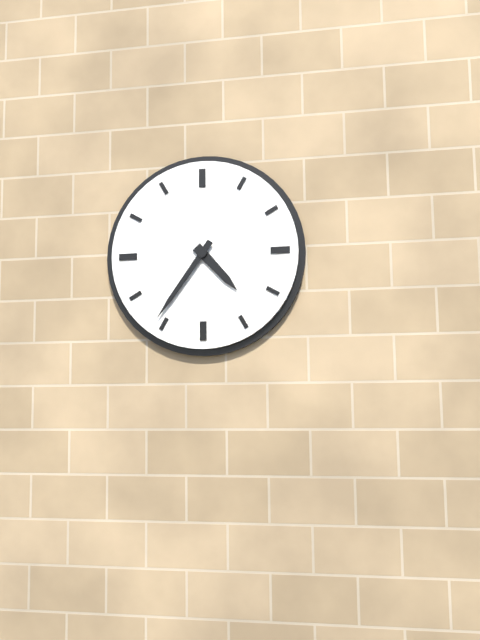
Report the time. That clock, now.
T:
4:36
